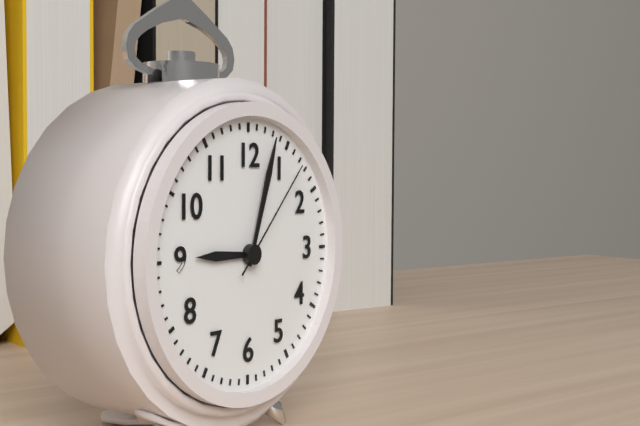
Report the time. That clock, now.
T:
9:03:07
